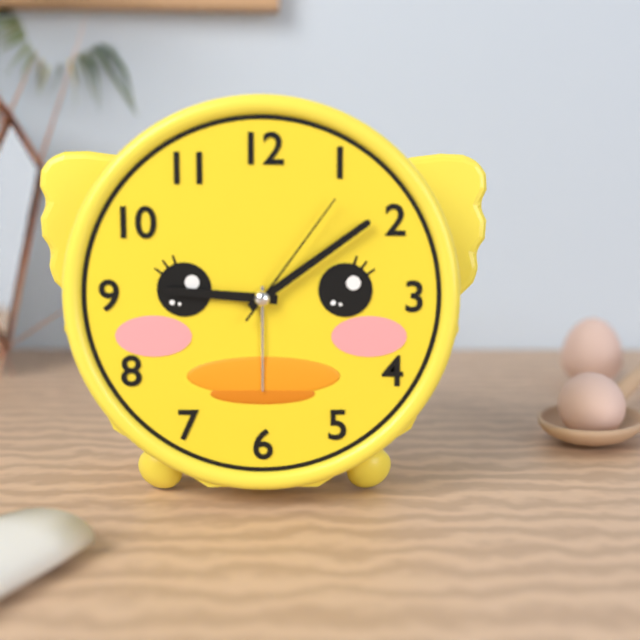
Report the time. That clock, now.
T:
9:09:06
